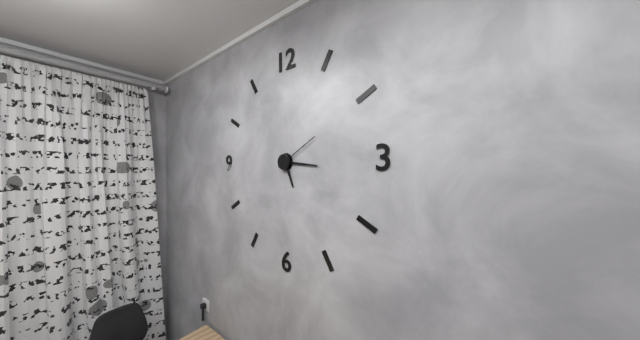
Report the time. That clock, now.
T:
5:16
